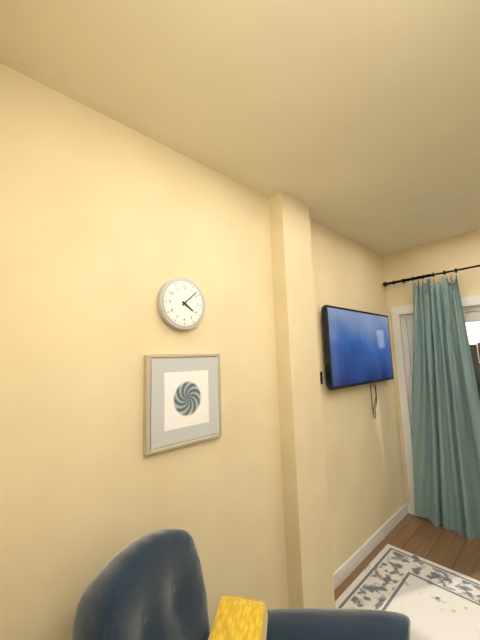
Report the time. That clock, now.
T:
4:08
